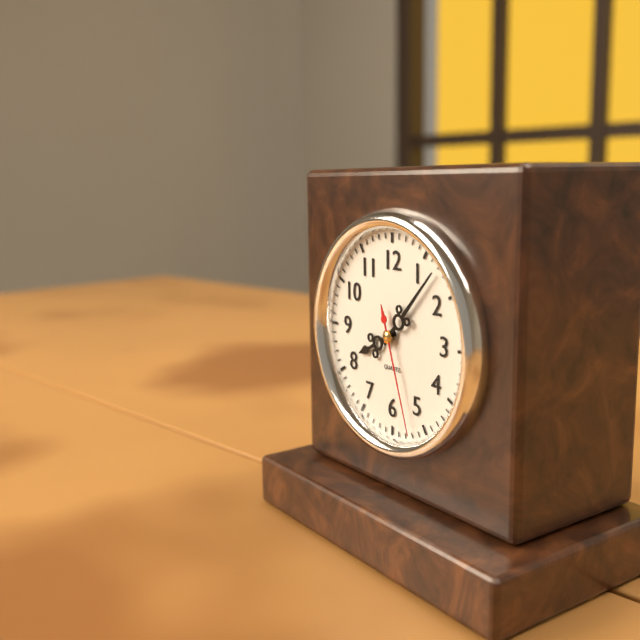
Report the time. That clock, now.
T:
8:07:27
